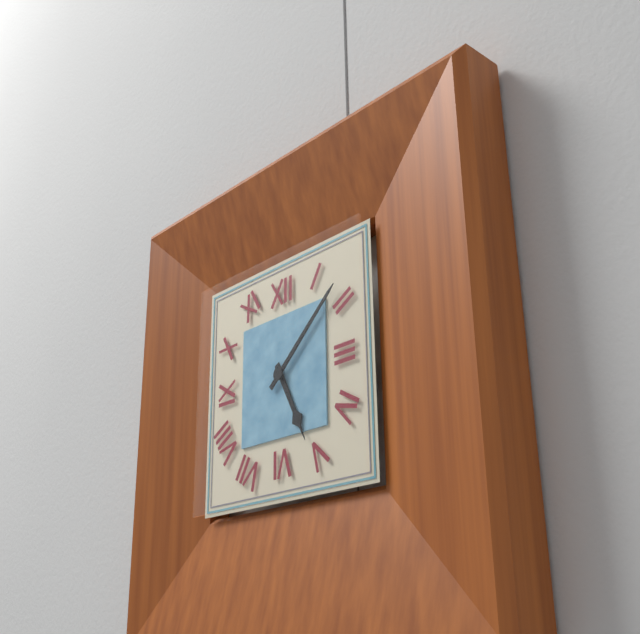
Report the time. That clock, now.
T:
5:08
